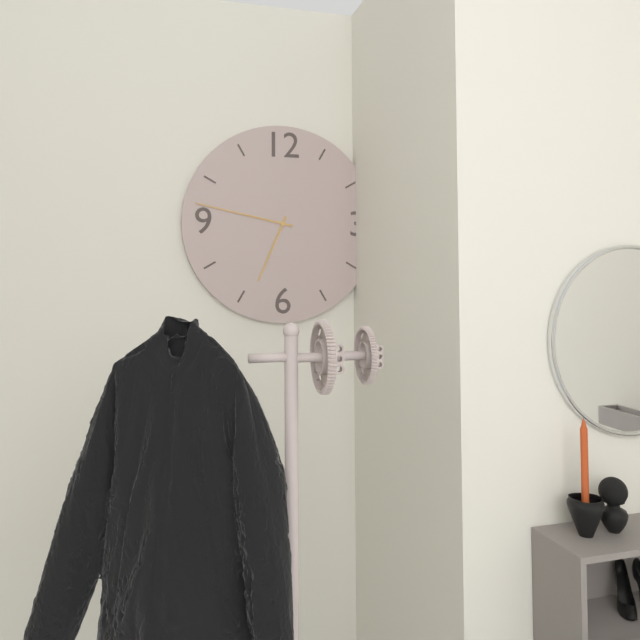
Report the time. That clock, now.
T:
6:47
